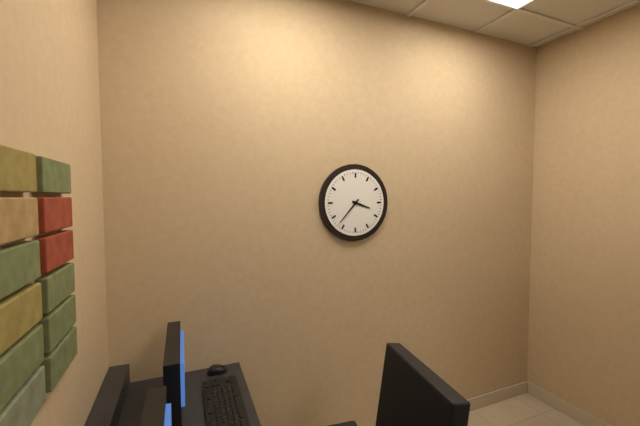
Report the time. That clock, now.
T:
3:37
